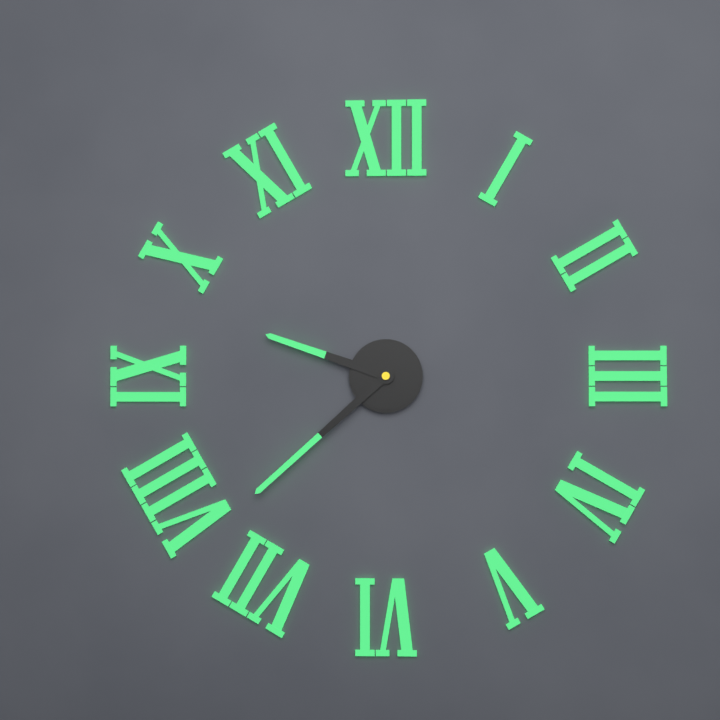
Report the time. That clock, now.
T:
9:38
